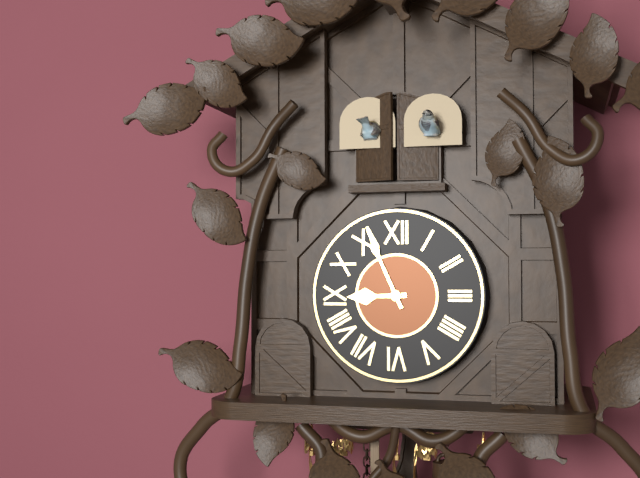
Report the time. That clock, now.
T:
8:56
